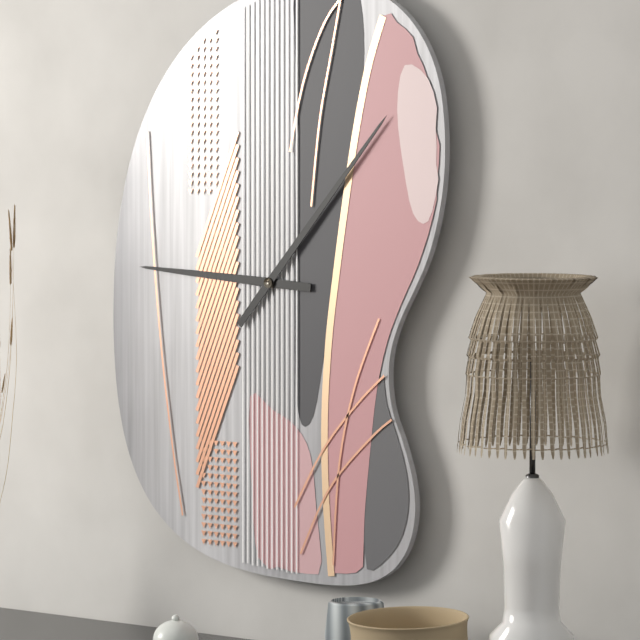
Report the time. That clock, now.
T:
9:07
